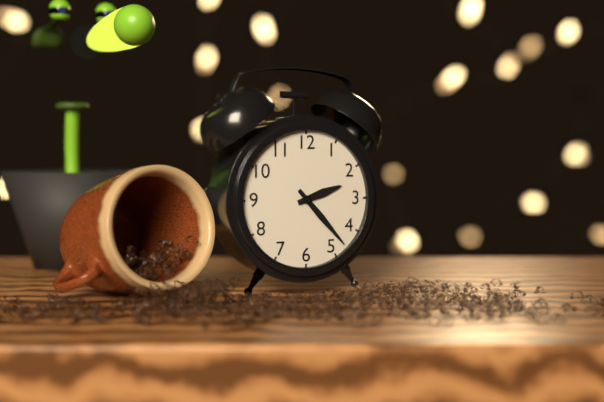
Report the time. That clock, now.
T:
2:23
